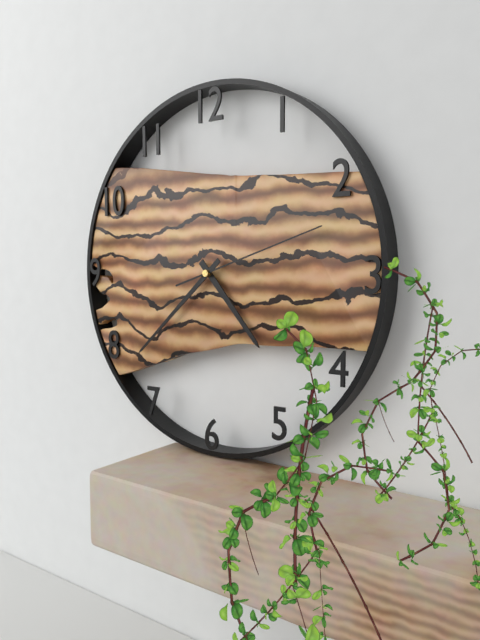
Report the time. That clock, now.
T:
4:38:12
